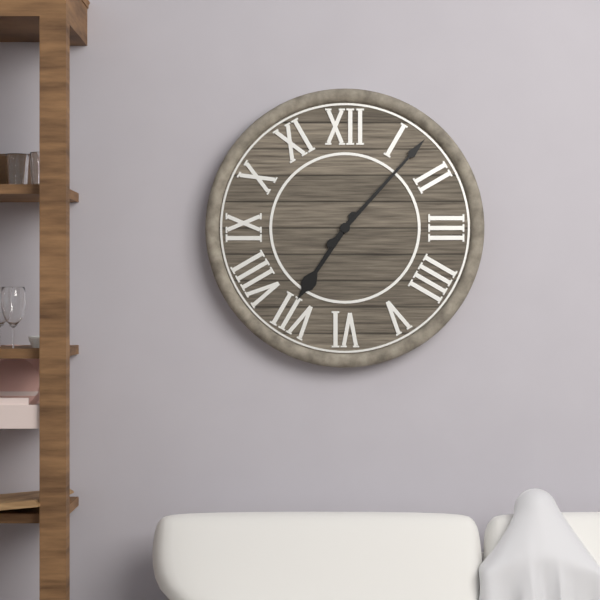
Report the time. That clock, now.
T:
7:07
